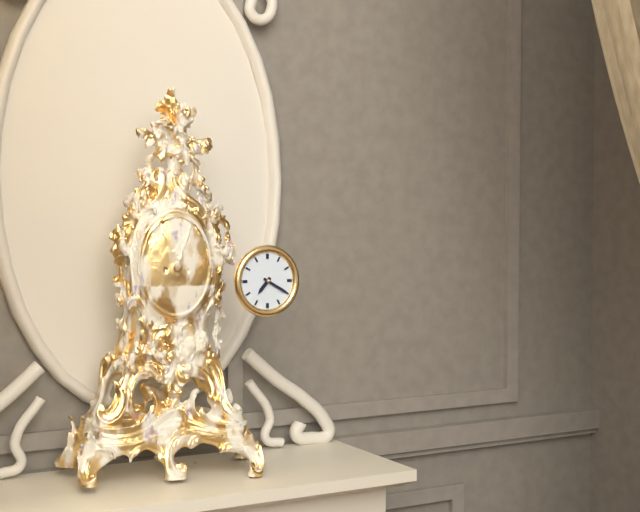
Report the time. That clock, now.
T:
7:20
